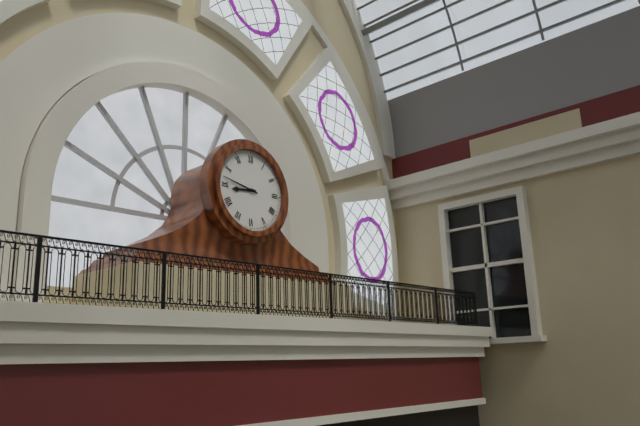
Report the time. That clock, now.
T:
8:47
